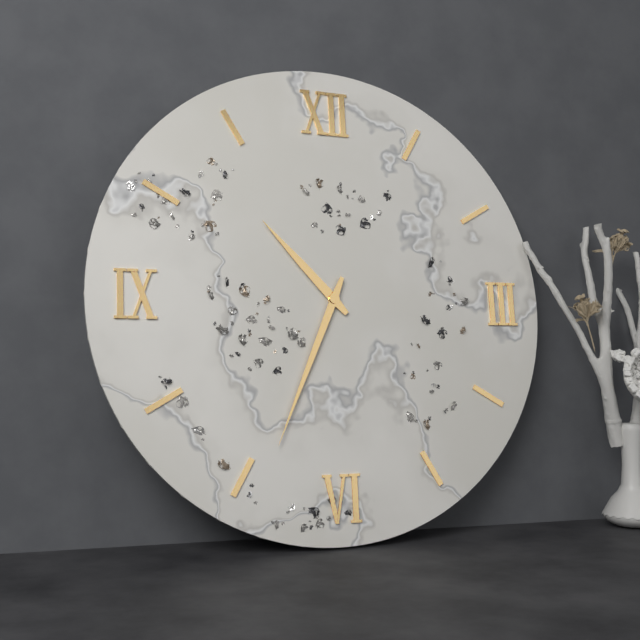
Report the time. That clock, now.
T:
10:34
